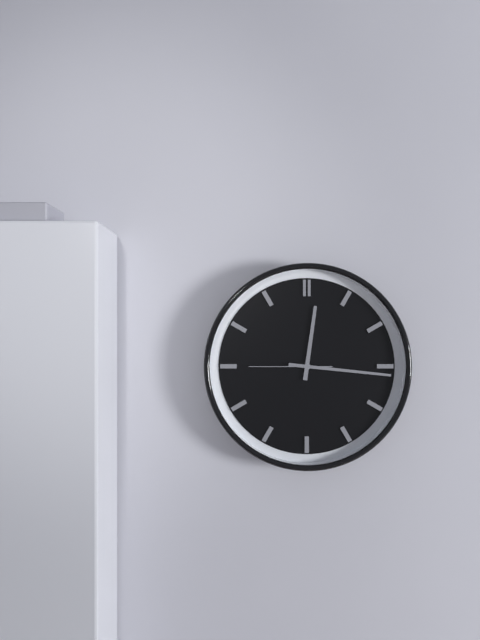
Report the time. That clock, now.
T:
12:16:45
